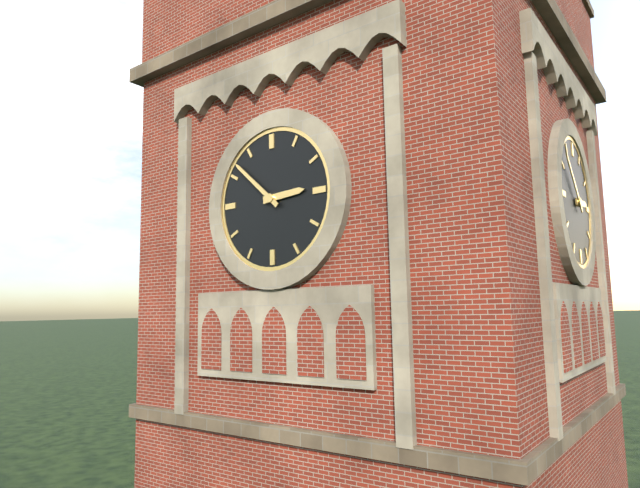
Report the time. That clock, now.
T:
2:52
